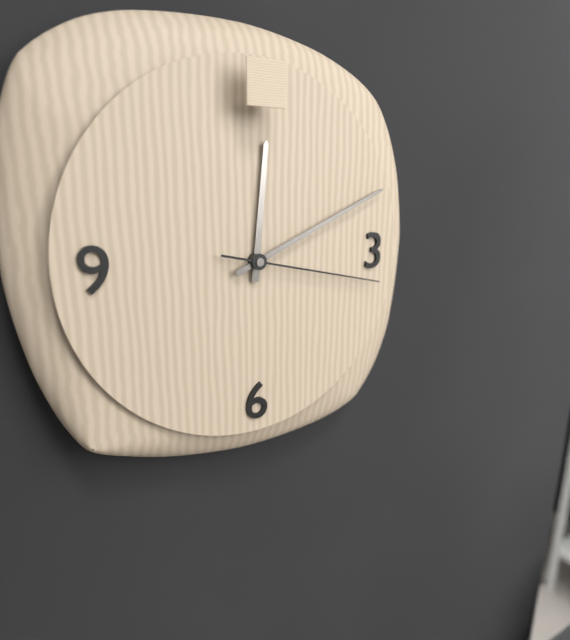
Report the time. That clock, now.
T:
12:11:17
